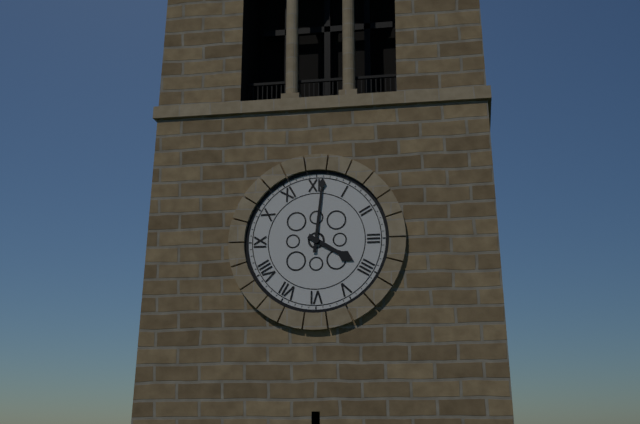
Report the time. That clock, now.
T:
4:01
